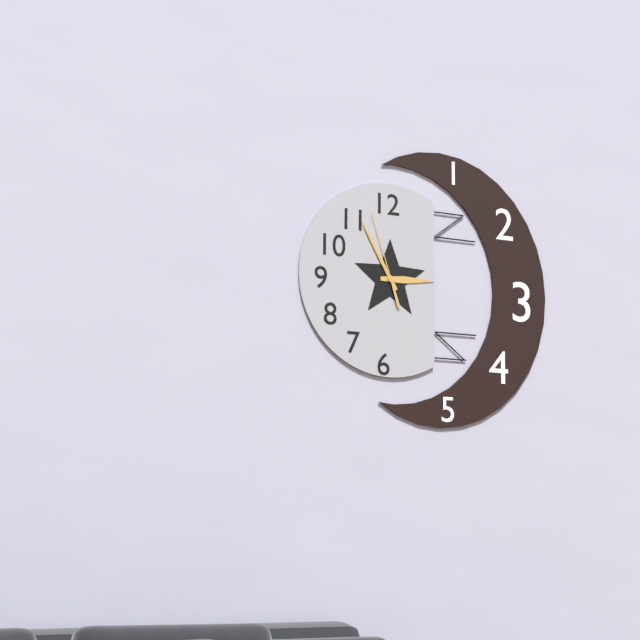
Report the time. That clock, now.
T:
2:55:57
